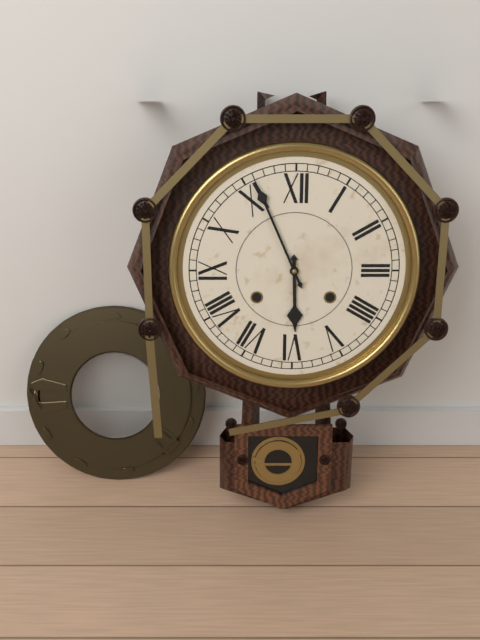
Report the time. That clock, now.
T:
5:56
